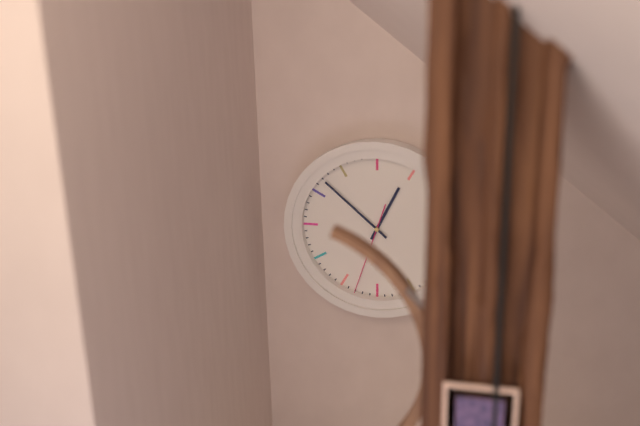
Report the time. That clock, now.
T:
12:52:33
